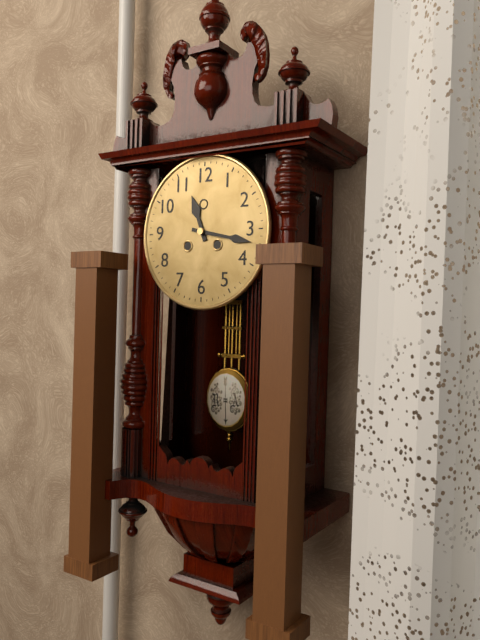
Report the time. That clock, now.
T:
11:17
